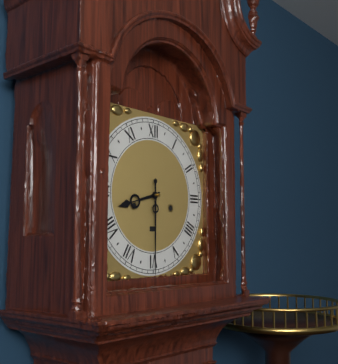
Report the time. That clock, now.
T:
8:30
